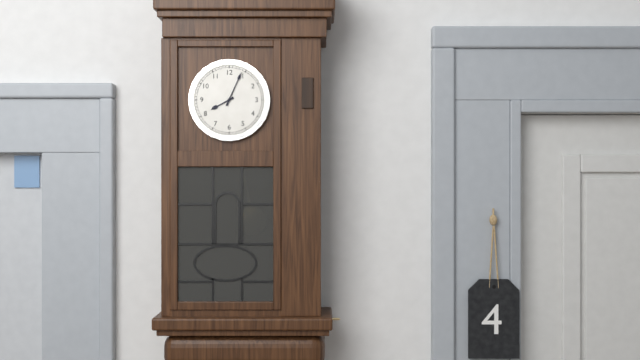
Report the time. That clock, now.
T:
8:04
